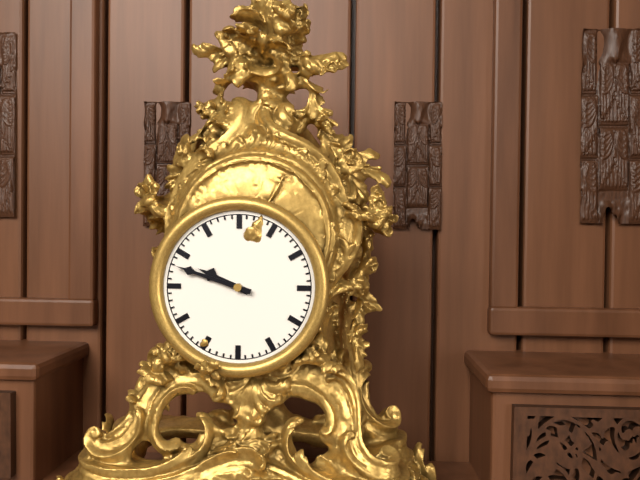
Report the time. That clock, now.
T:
9:48
